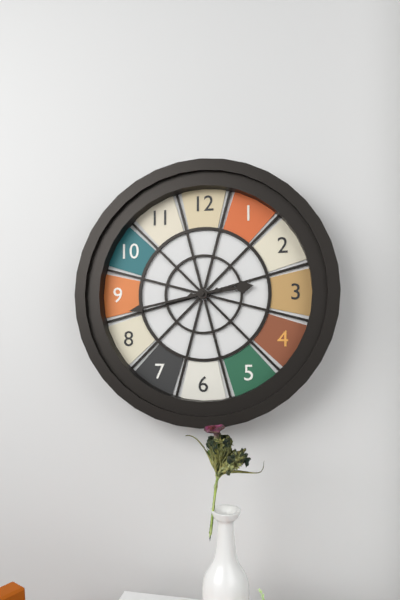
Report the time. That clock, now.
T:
2:43
